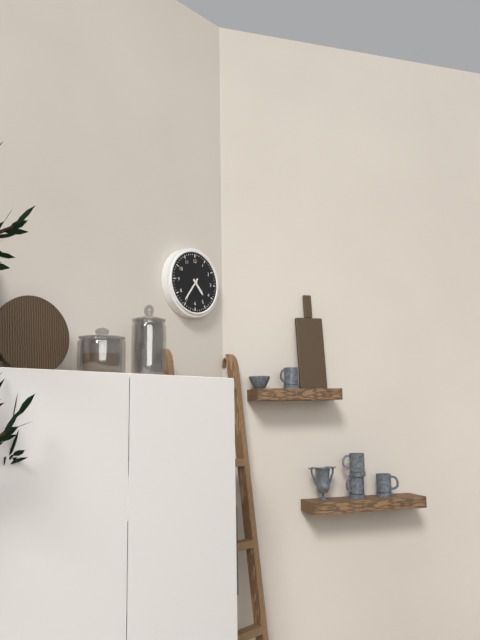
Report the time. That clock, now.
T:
4:36
